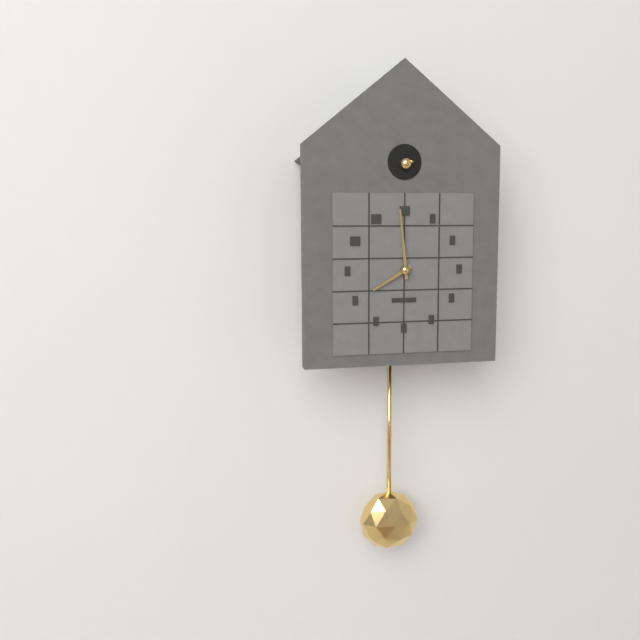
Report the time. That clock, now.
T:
7:59
